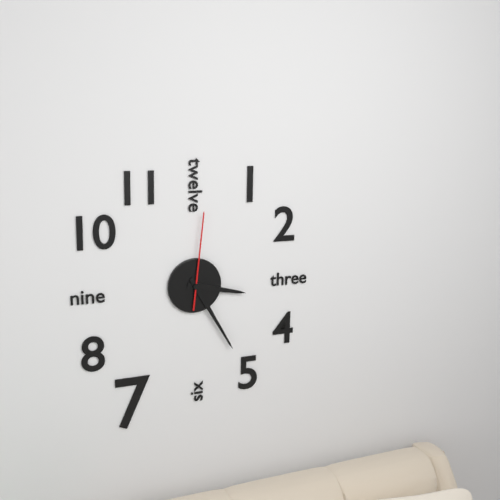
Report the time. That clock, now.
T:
3:25:01
